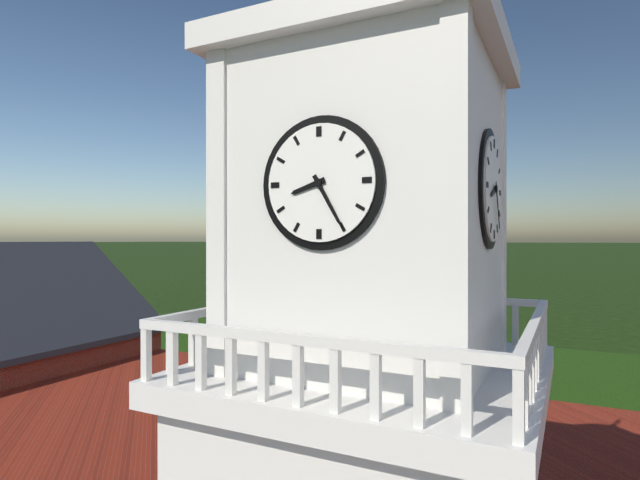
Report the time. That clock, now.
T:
8:25
